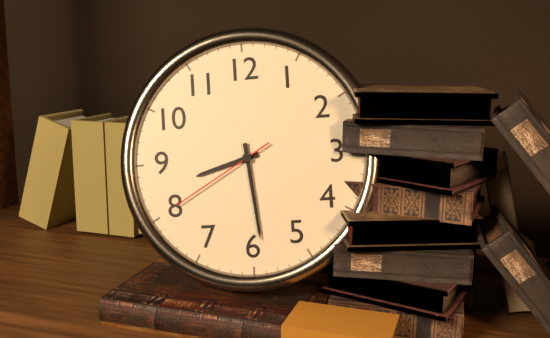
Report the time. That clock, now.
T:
8:29:40
